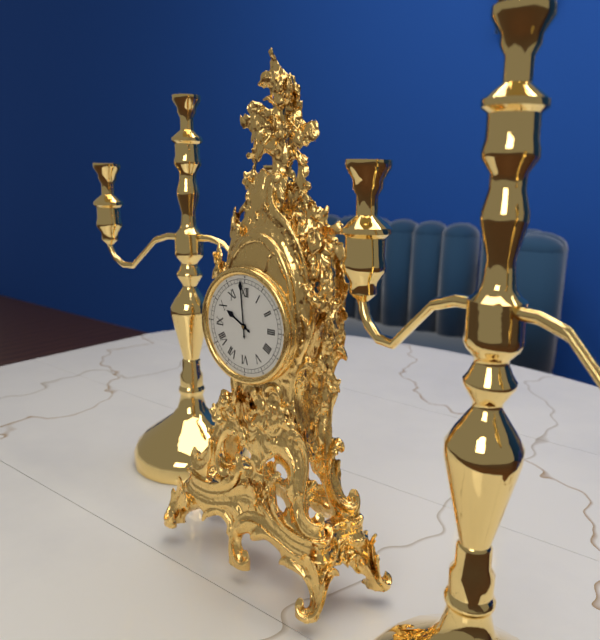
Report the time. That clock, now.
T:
9:59
